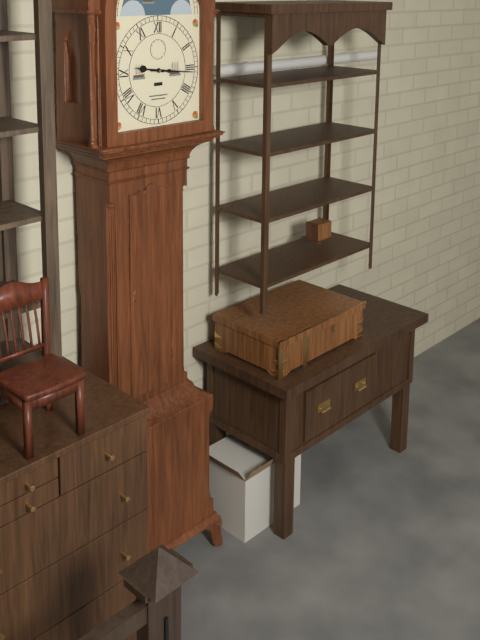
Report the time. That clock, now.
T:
9:16
